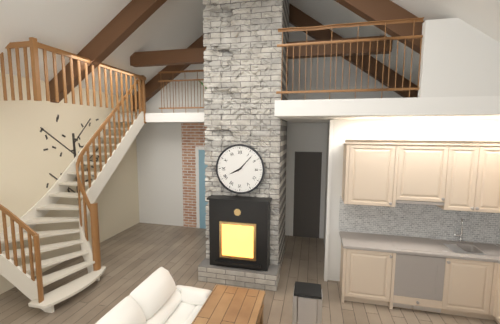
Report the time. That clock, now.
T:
8:07
